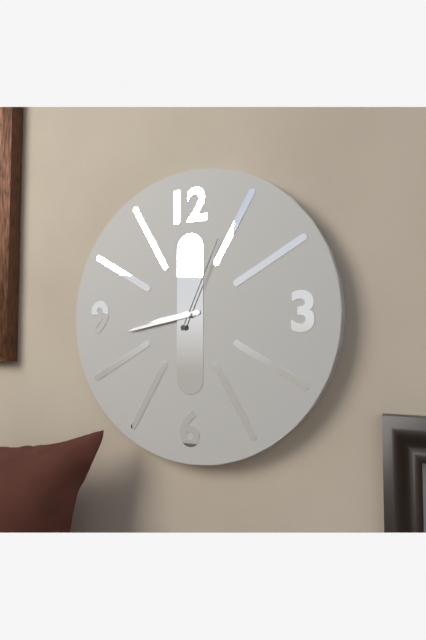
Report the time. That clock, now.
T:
8:43:04
